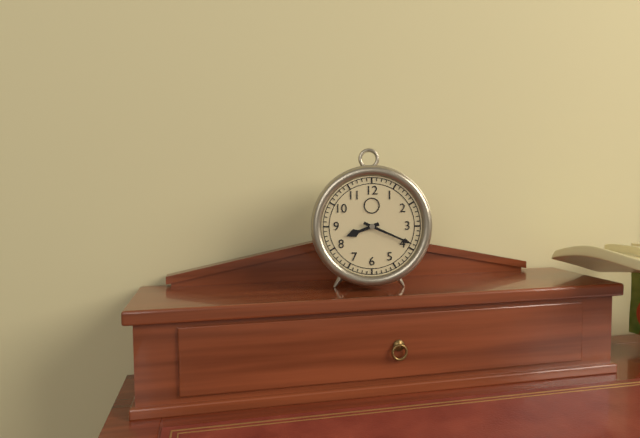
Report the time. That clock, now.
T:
8:19
